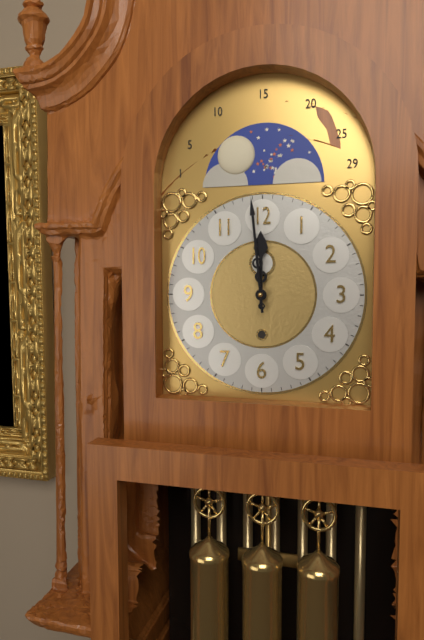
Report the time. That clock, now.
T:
11:59
